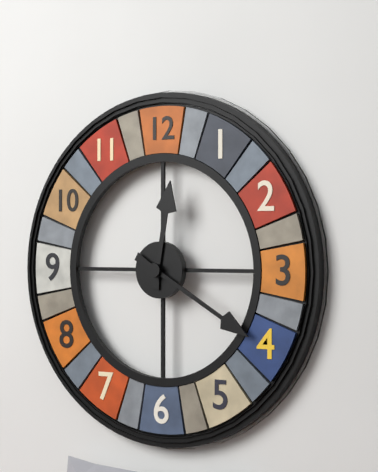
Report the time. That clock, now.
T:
12:20
